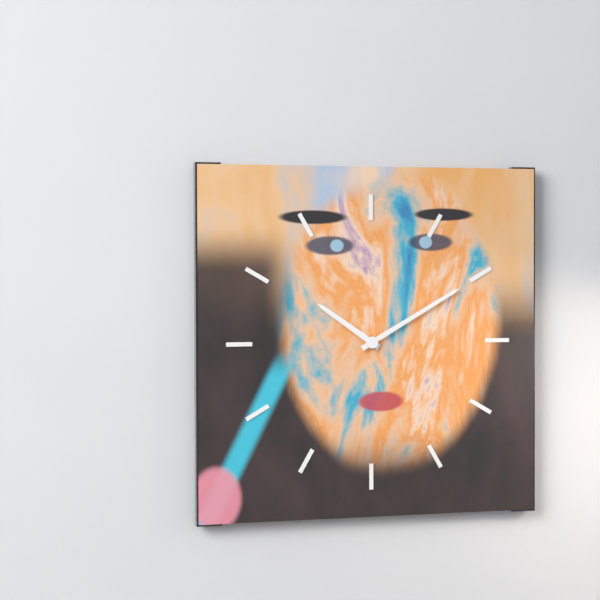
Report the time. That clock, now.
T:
10:10
